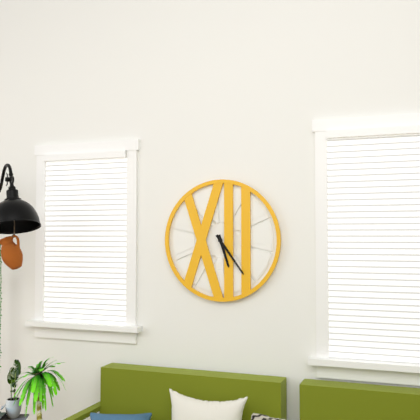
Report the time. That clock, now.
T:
5:24
